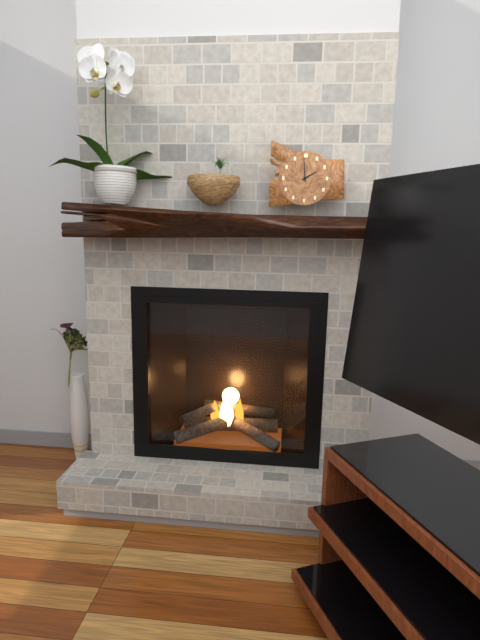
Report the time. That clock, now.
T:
1:59
